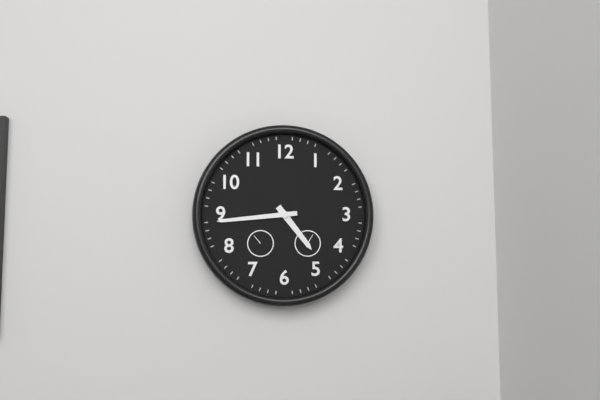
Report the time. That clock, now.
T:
4:44
